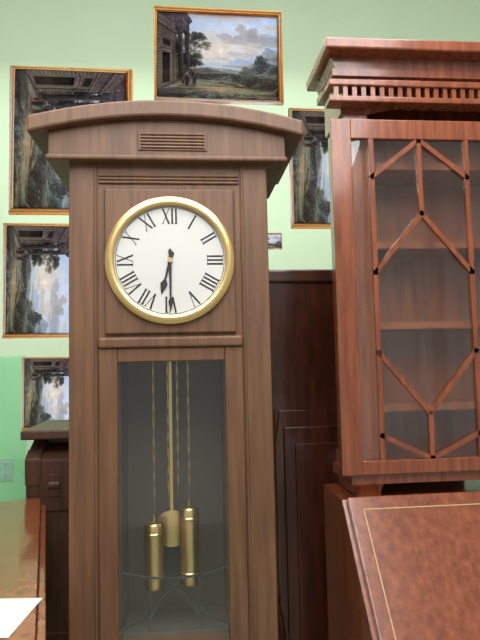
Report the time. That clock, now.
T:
6:30
